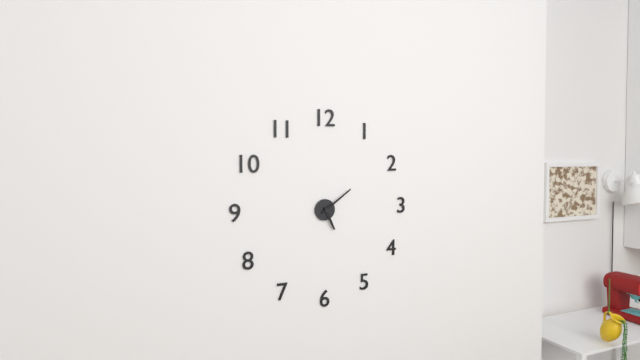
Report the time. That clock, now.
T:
5:09
